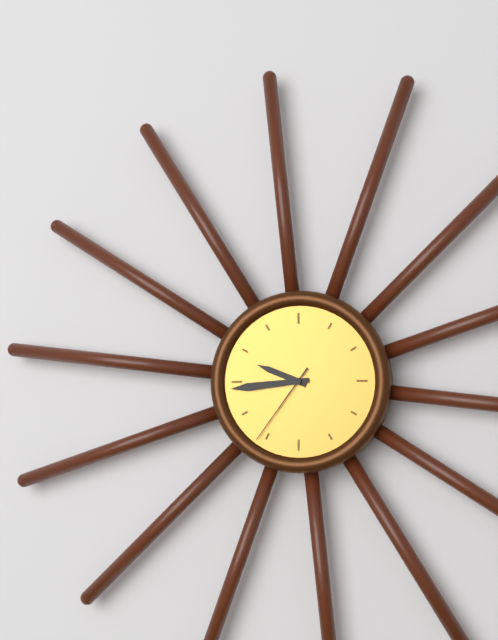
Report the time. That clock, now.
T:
9:44:36
